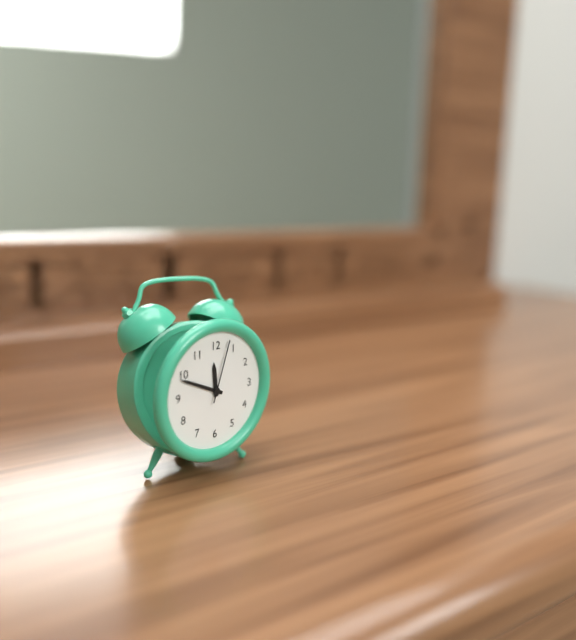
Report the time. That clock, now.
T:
11:49:03
